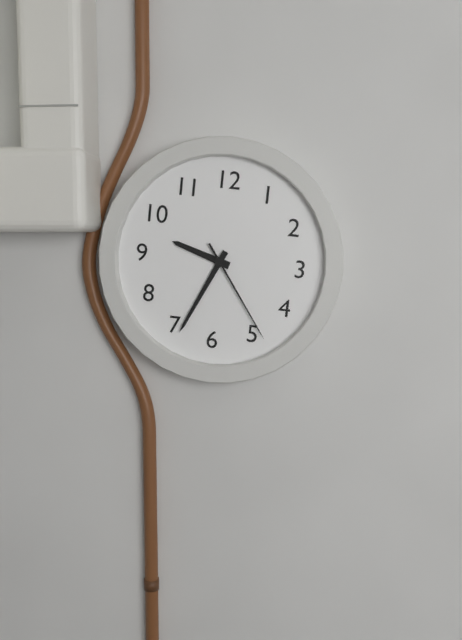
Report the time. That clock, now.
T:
9:34:24
